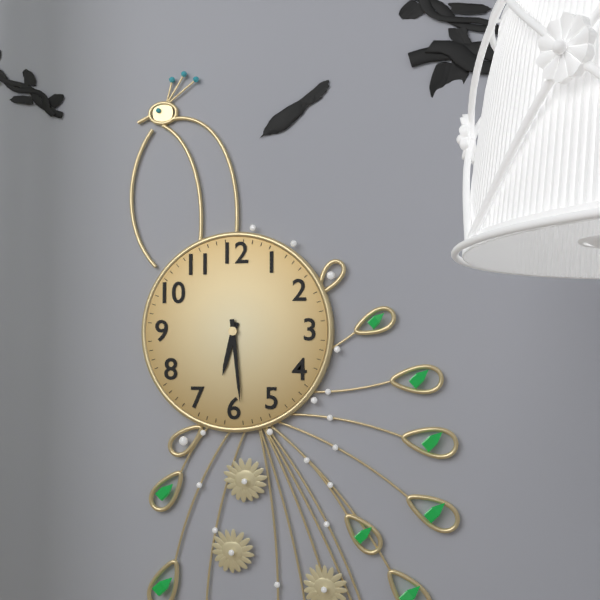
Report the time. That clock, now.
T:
6:29
